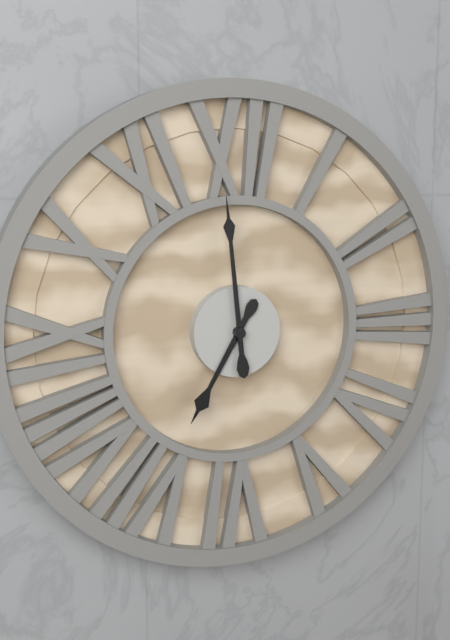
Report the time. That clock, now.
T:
6:59
